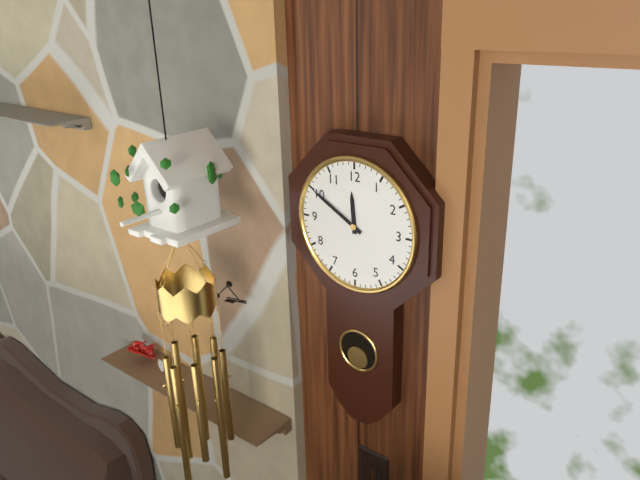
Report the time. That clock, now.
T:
11:50
